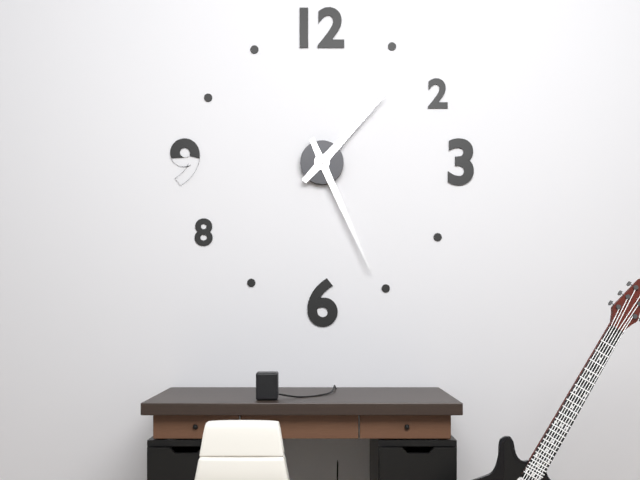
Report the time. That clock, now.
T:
1:26
